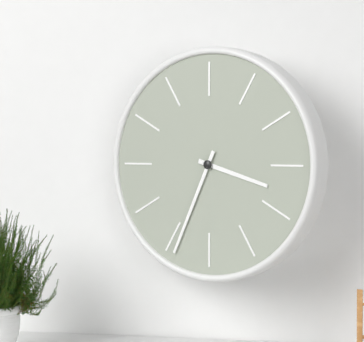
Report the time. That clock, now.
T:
3:34
